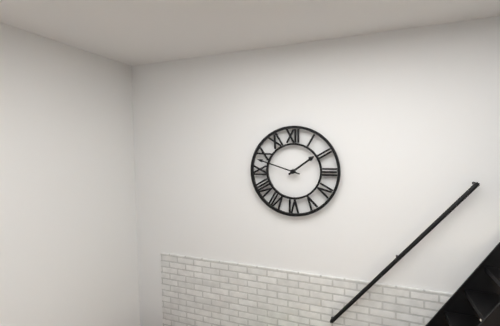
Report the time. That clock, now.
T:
1:48
